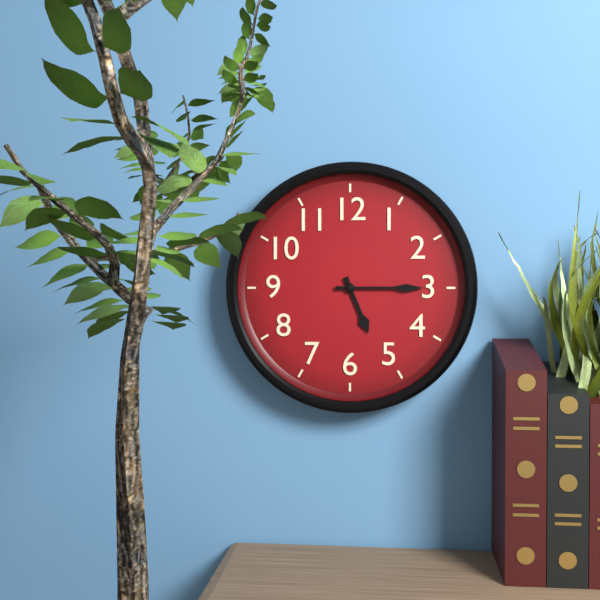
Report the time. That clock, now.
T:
5:15
